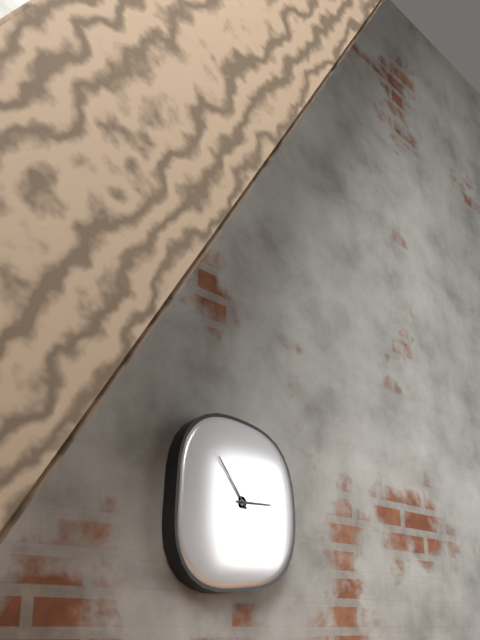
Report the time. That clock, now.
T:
2:54
